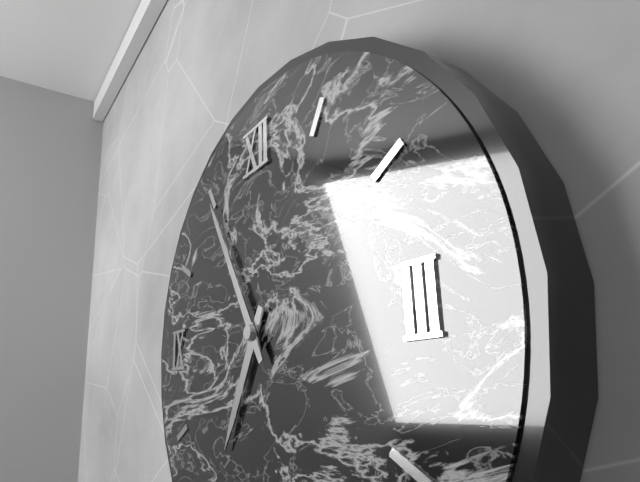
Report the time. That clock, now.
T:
6:55
